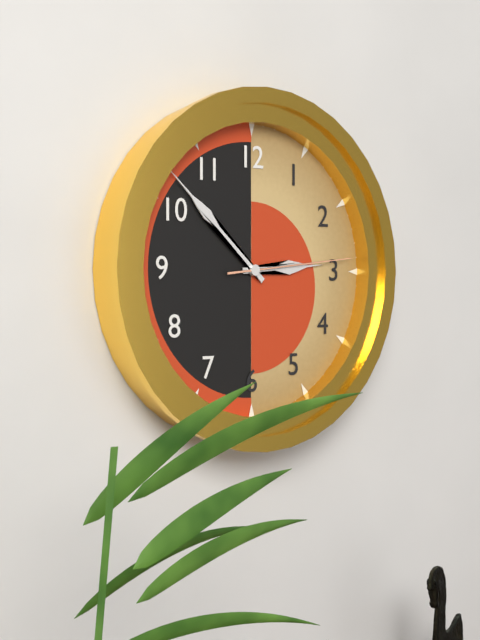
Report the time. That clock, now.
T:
2:52:14
